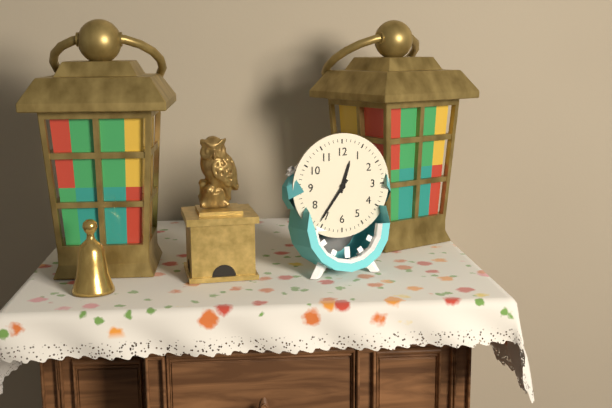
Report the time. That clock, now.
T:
12:36
